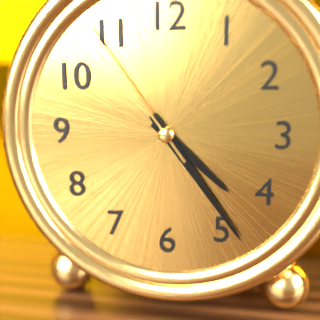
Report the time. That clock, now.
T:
4:24:54
